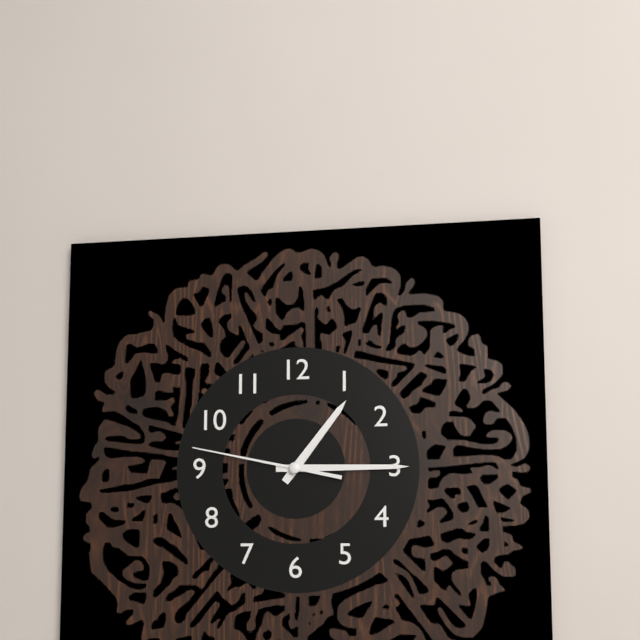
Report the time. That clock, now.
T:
1:15:47
